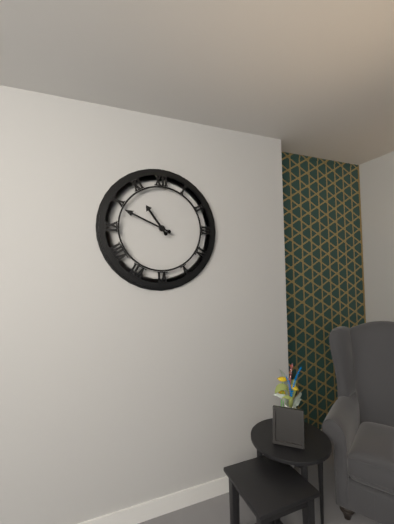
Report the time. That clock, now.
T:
10:49
